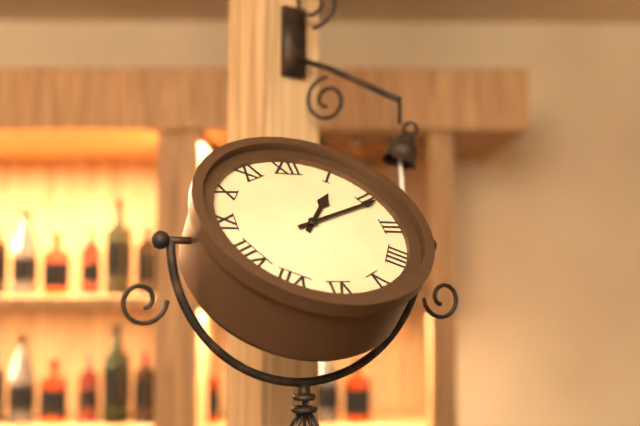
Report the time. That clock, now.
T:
1:11
